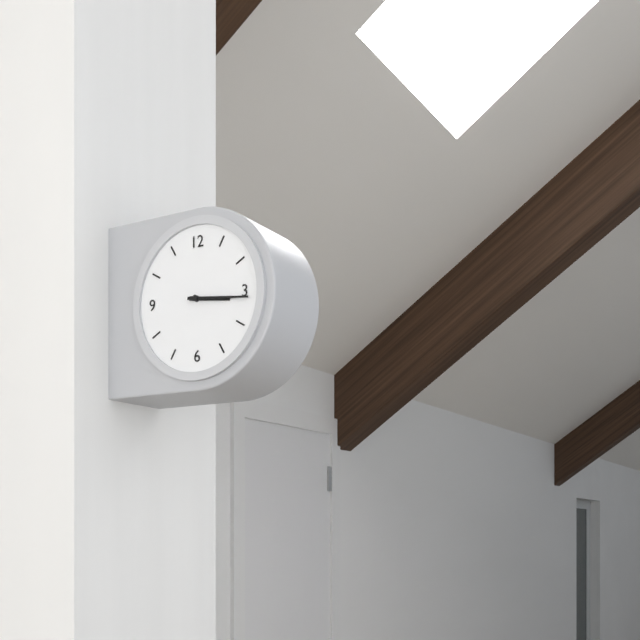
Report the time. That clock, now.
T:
3:16
